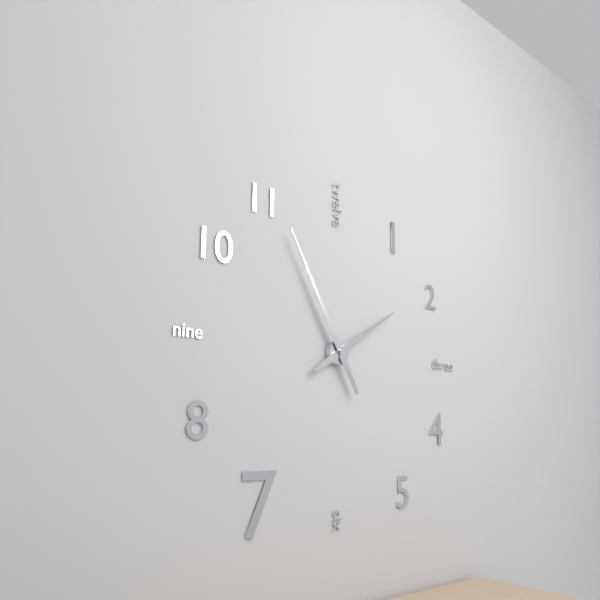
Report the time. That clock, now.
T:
1:55
